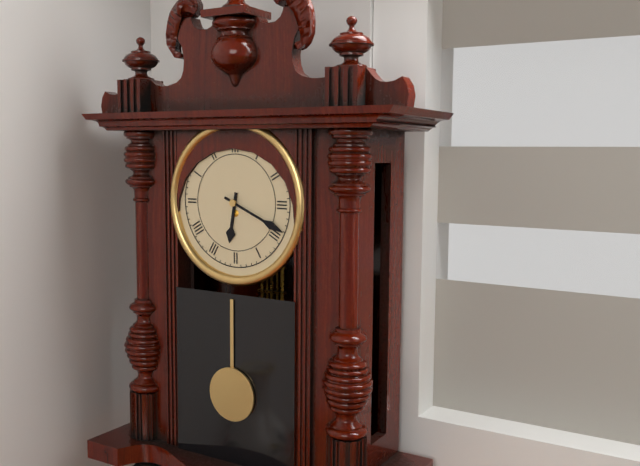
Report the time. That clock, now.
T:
6:19
